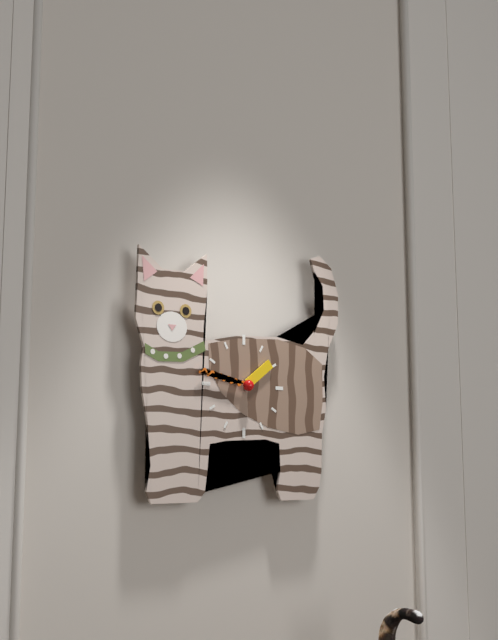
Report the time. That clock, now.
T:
1:47
